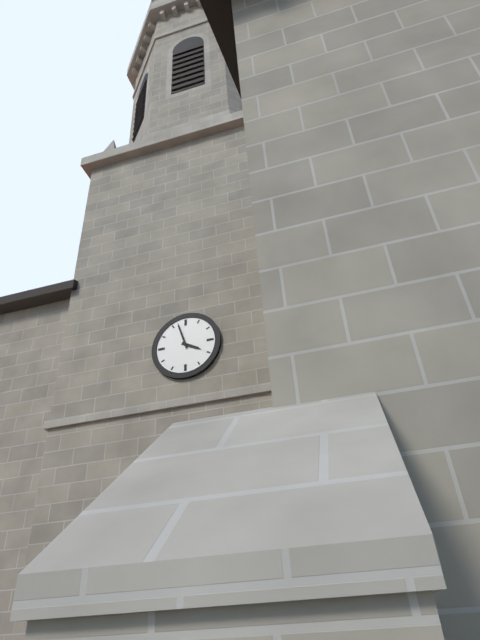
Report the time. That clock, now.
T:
3:57
